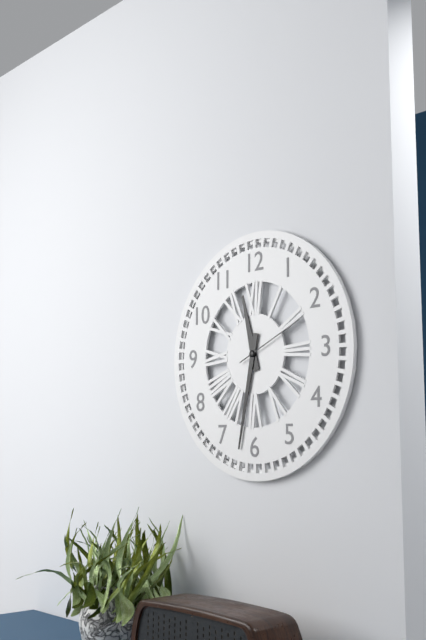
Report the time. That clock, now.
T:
11:32:11
